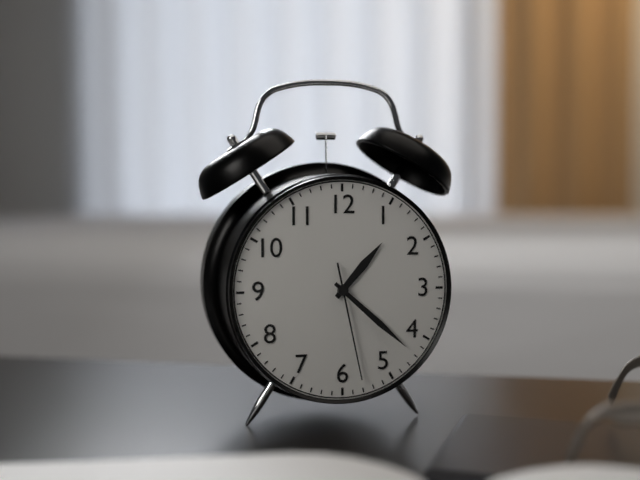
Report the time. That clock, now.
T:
1:22:28
